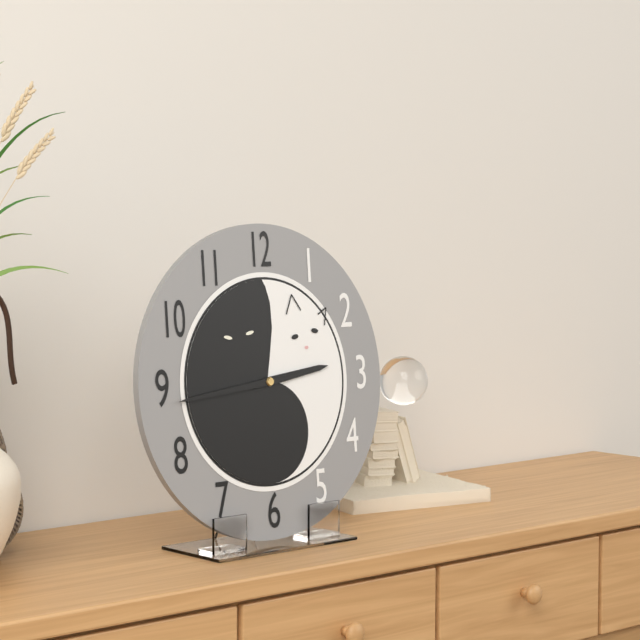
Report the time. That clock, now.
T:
2:44
